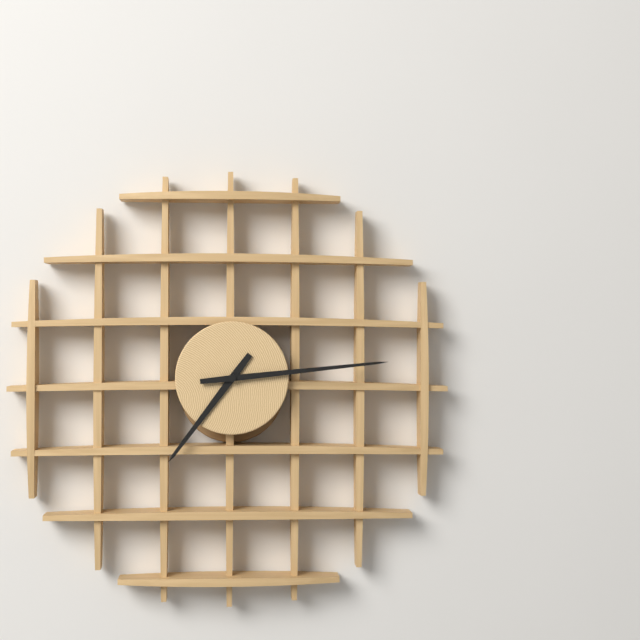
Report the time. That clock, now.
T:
7:14
